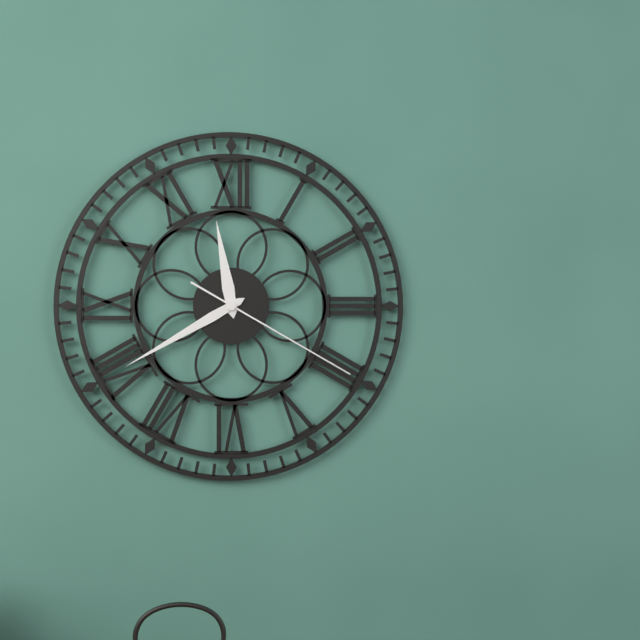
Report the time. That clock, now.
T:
11:40:20
